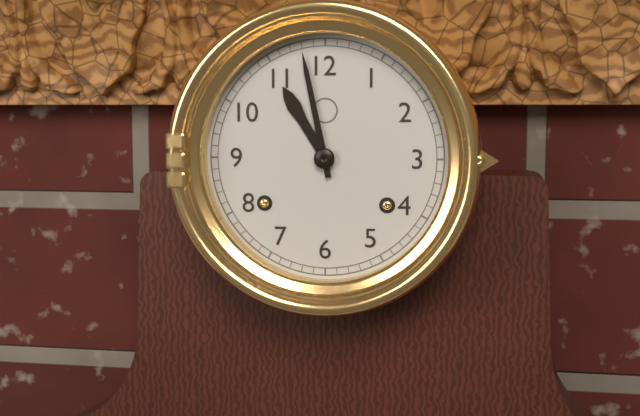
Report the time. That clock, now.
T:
10:58
